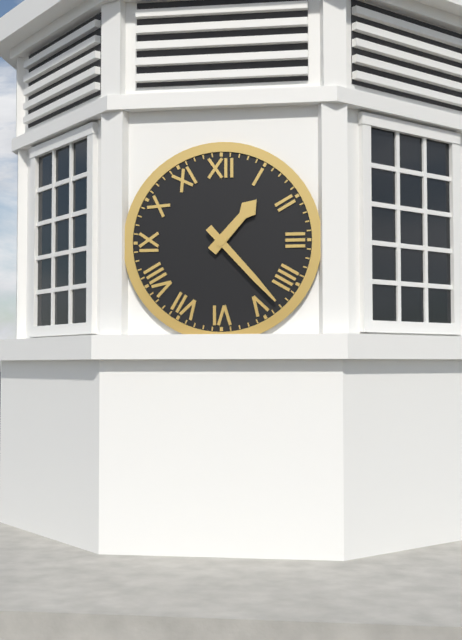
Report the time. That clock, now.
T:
1:23
